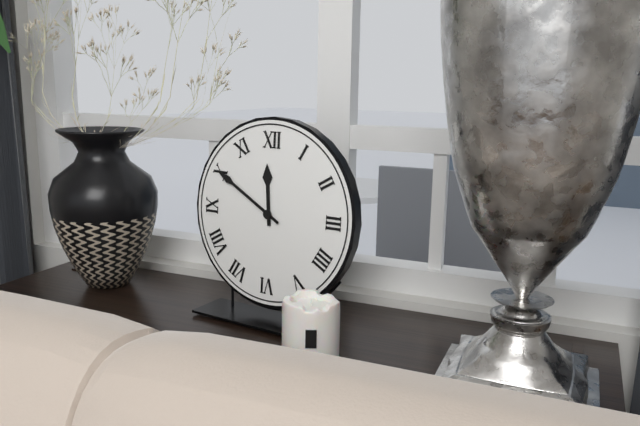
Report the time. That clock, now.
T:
11:50
